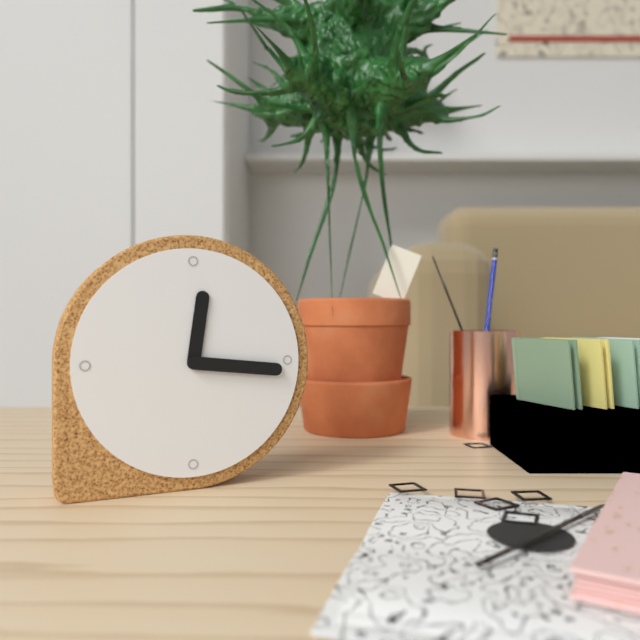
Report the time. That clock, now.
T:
12:16
